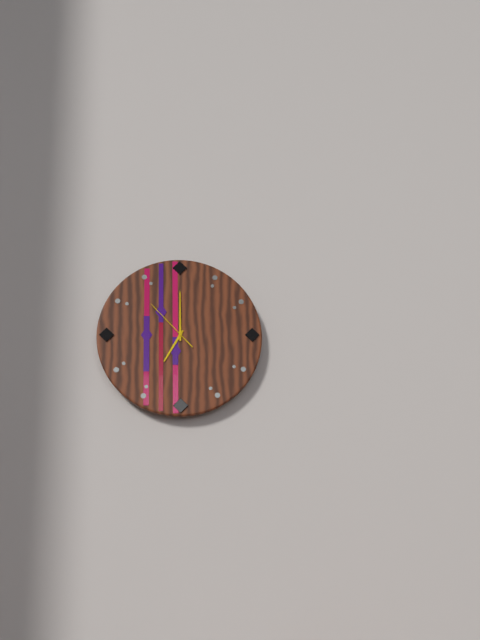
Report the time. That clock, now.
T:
7:00:53
